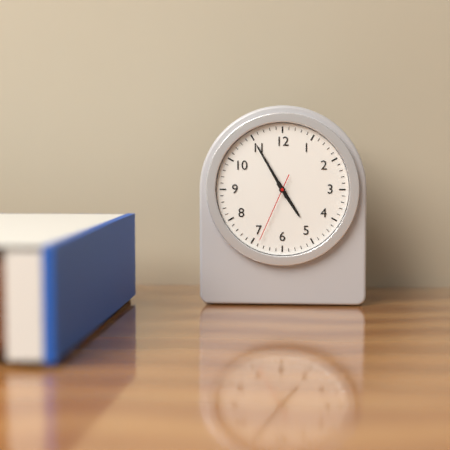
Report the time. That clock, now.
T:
4:55:34
